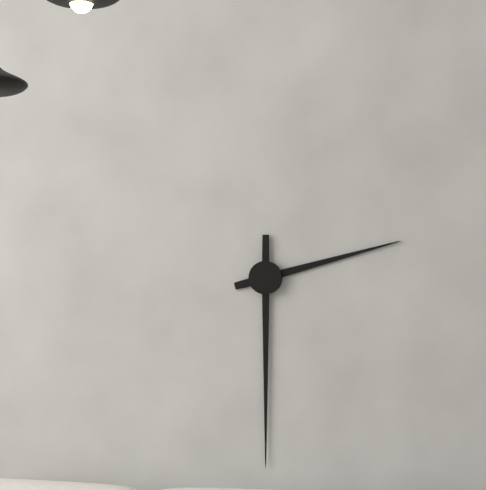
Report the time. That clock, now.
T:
2:30
